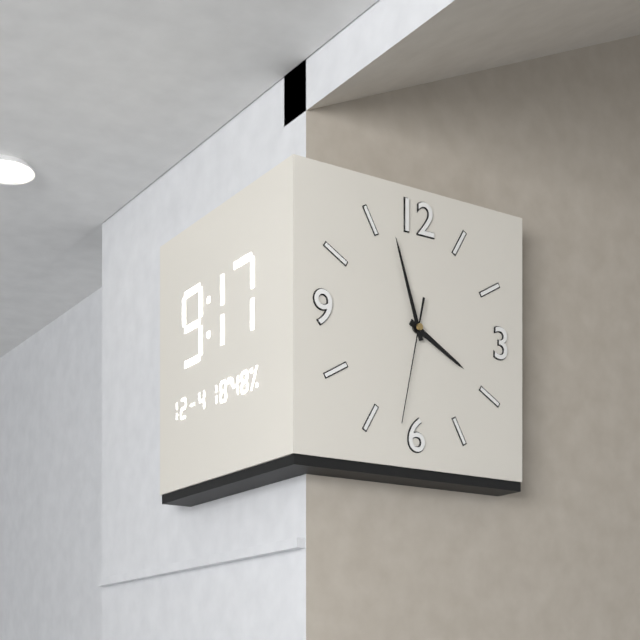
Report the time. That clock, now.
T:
3:57:32
